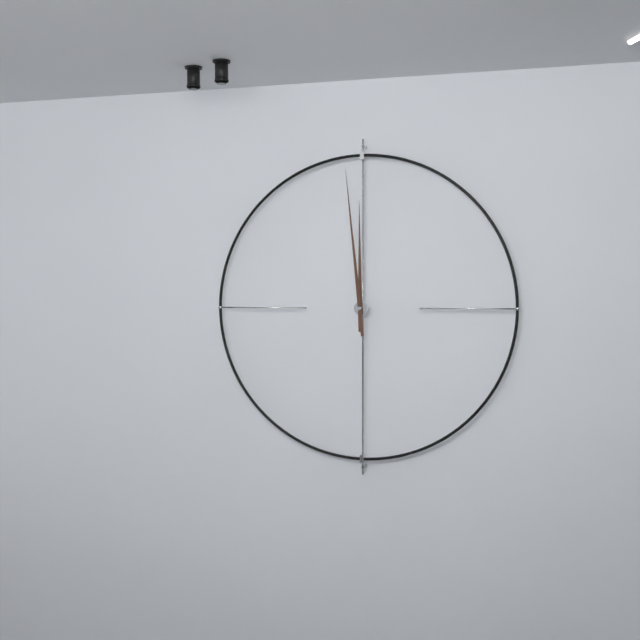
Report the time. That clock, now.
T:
11:59
